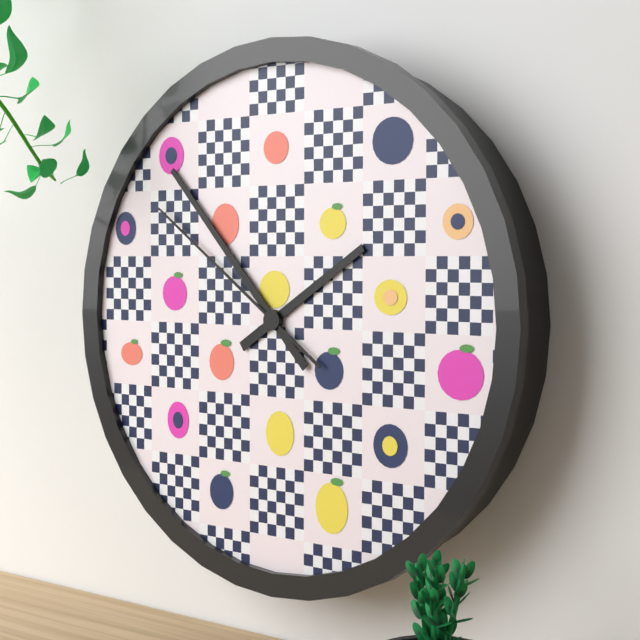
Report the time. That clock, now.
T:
1:53:51
